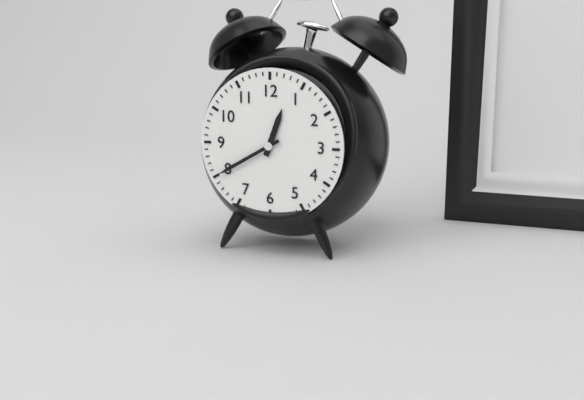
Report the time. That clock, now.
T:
12:40
